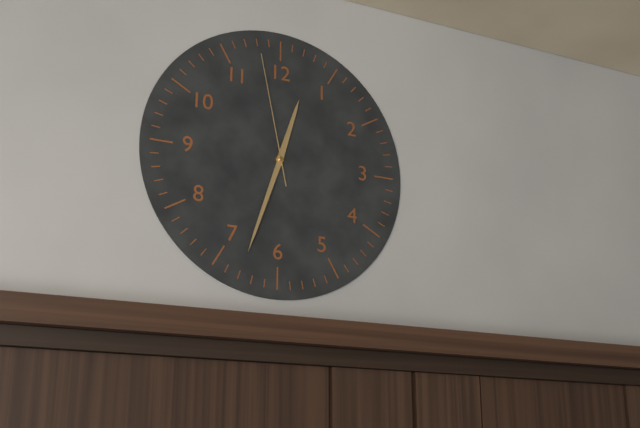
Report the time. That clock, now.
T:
12:33:58
